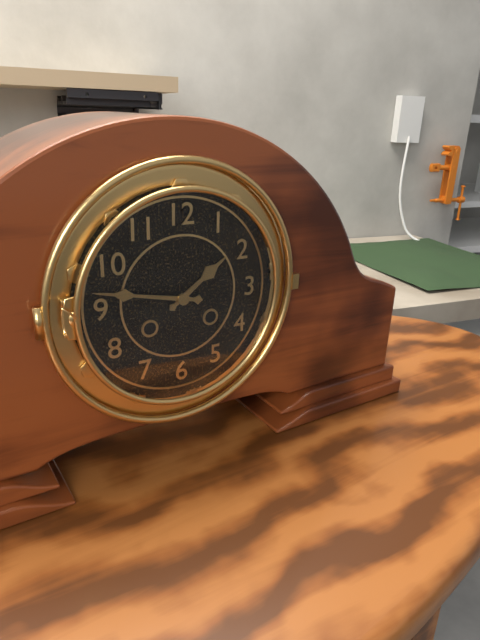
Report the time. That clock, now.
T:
1:47
